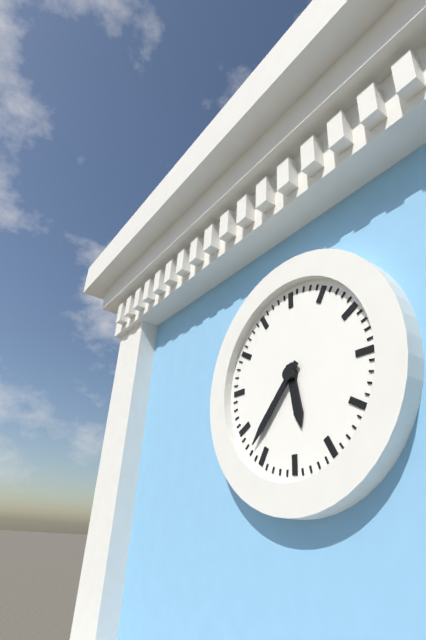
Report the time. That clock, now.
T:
5:37
